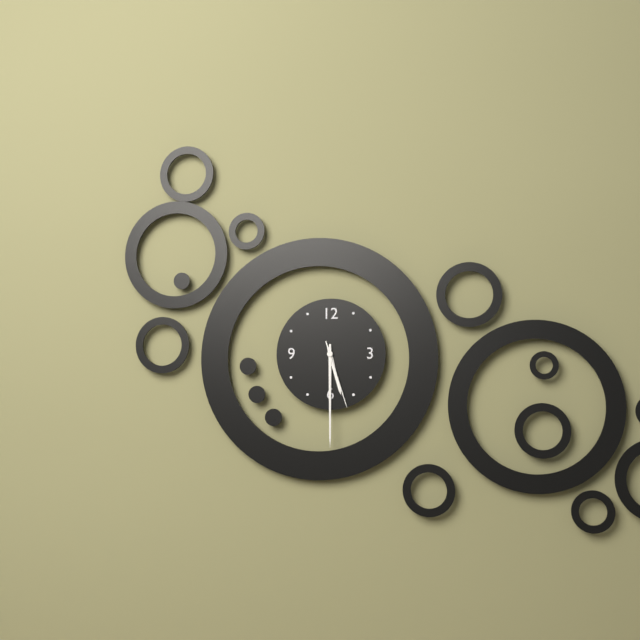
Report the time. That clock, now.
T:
5:30:27
